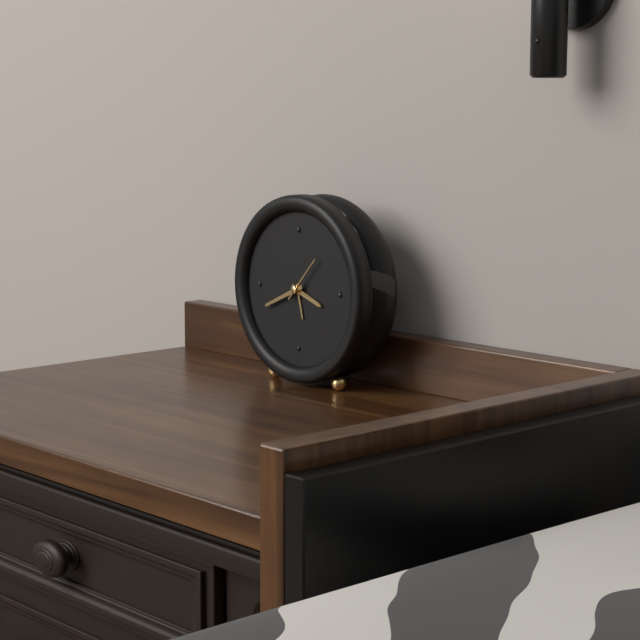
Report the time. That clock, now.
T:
3:41
